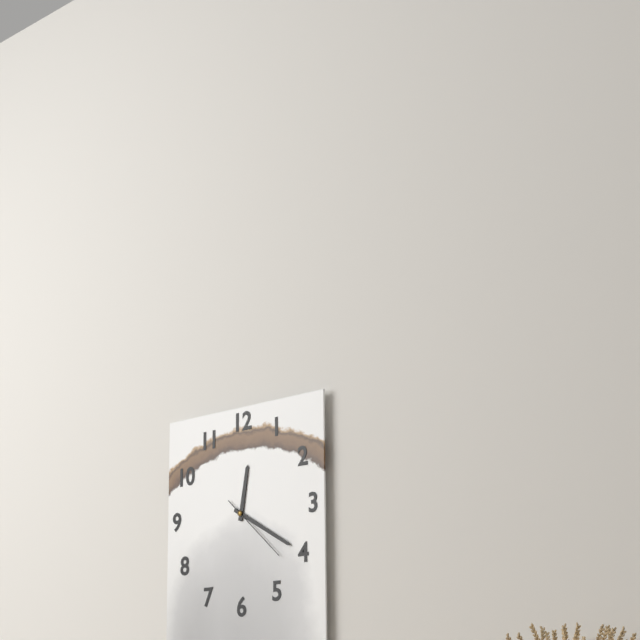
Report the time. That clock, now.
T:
12:20:22
